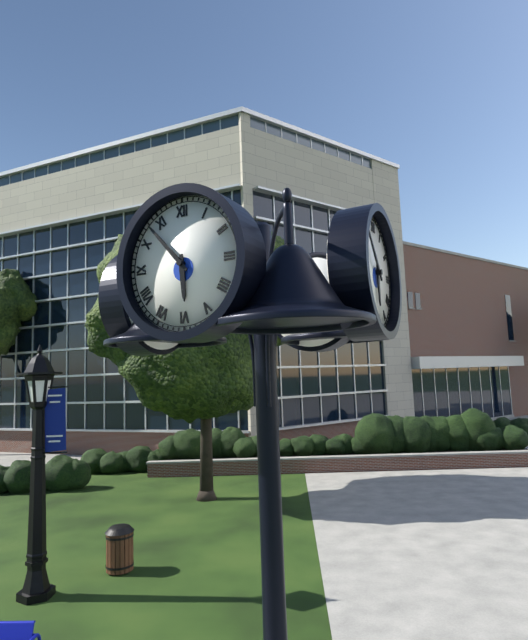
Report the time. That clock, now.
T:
5:53
